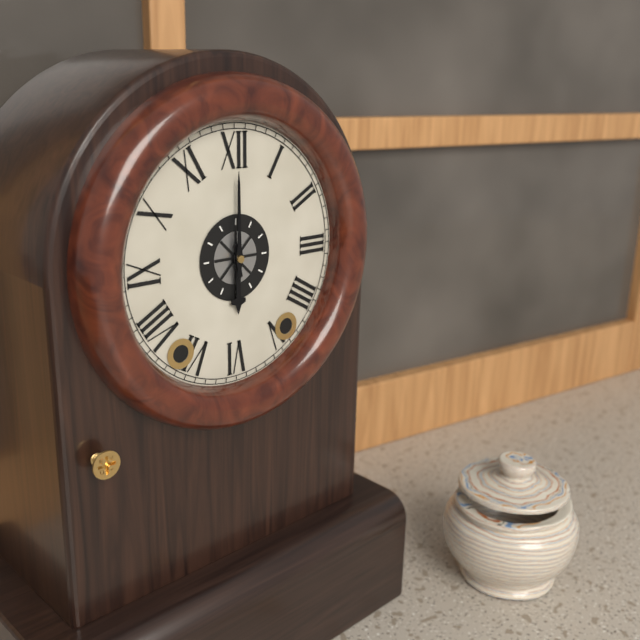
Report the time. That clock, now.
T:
6:00
